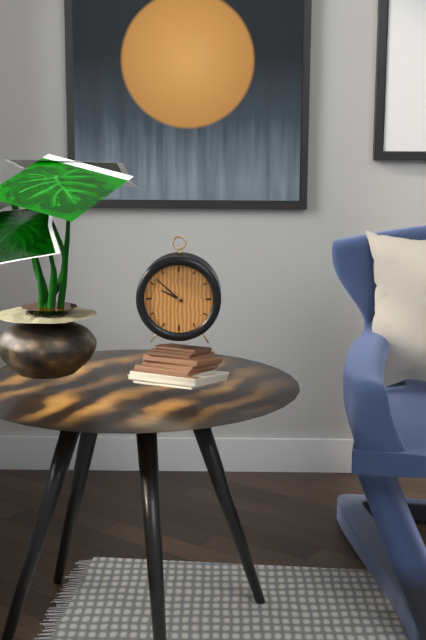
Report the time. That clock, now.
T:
9:52
